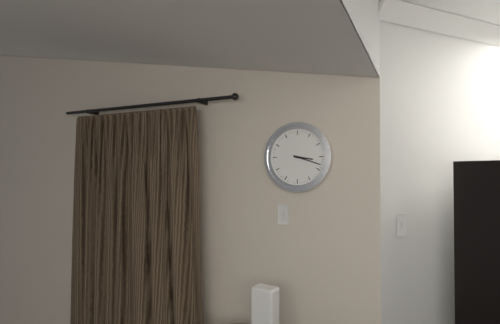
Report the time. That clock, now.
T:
3:18
